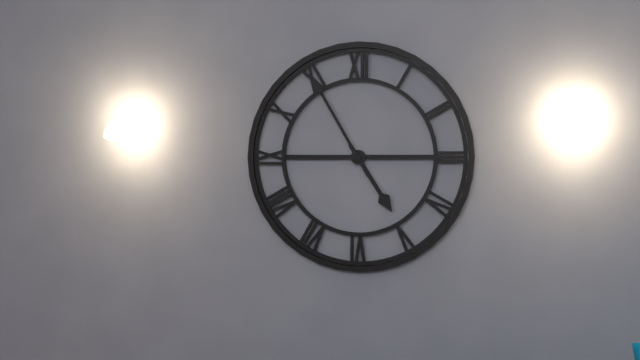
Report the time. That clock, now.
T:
4:55
